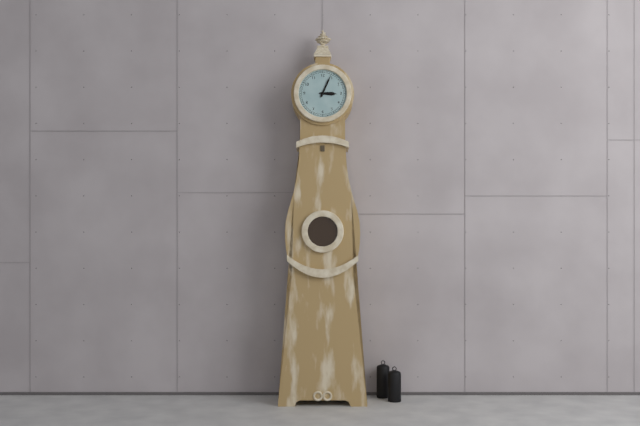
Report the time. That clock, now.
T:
3:04
